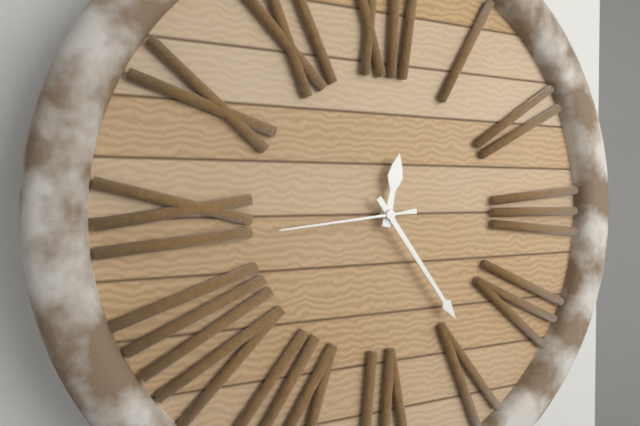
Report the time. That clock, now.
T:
12:24:44
